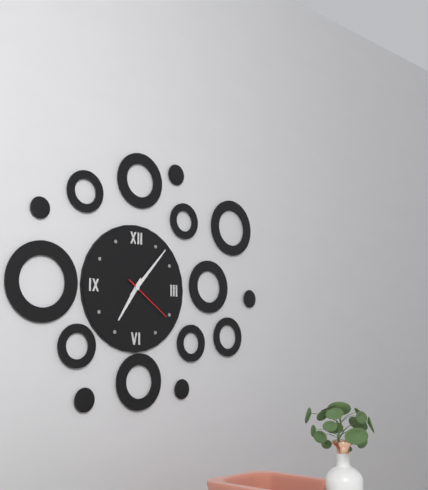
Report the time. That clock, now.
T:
7:07:21
